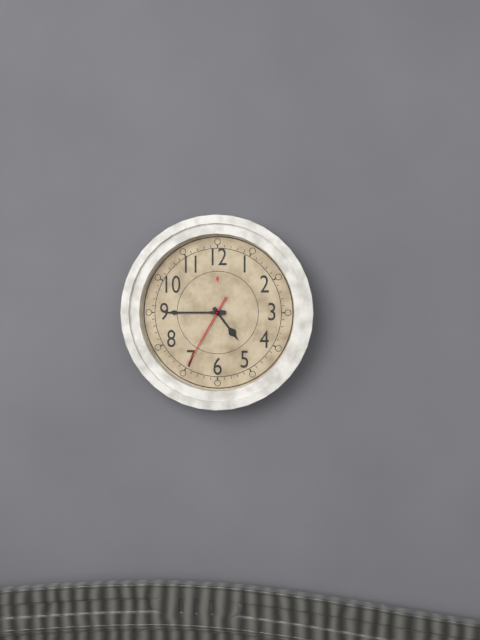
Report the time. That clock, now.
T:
4:45:35
